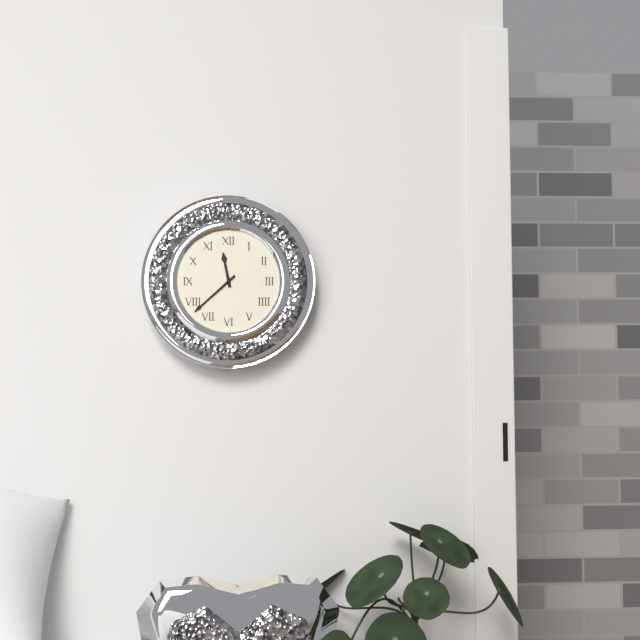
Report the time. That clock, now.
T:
11:38
